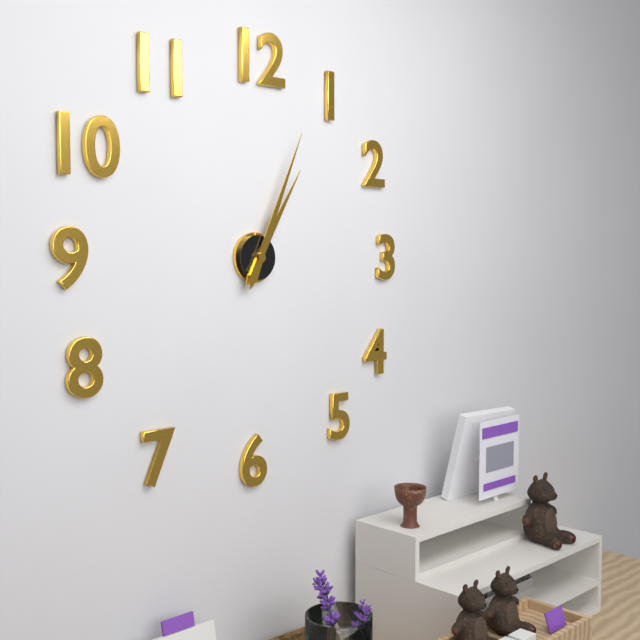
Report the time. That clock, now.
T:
1:04
